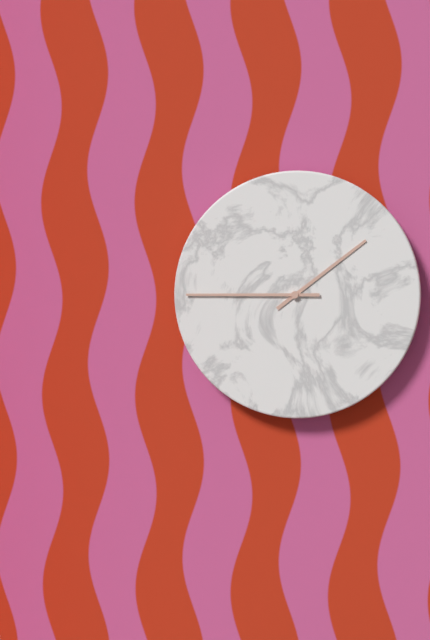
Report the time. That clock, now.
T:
1:45
